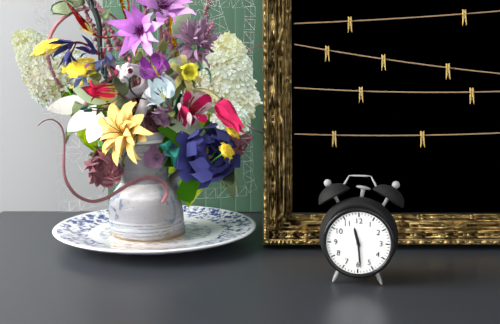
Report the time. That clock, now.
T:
11:29
